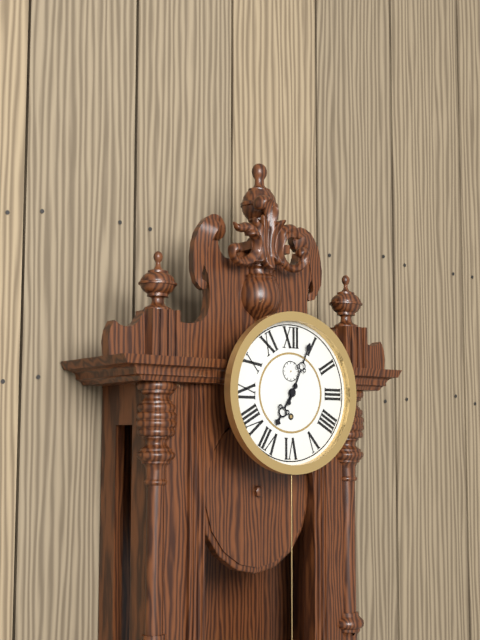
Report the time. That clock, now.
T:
7:04
